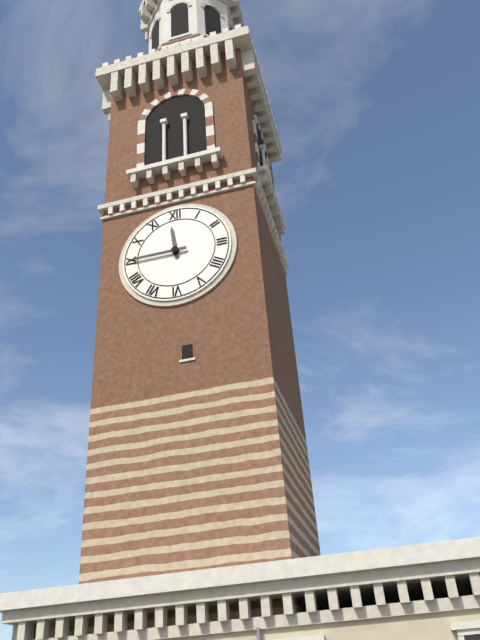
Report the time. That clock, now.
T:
11:45
